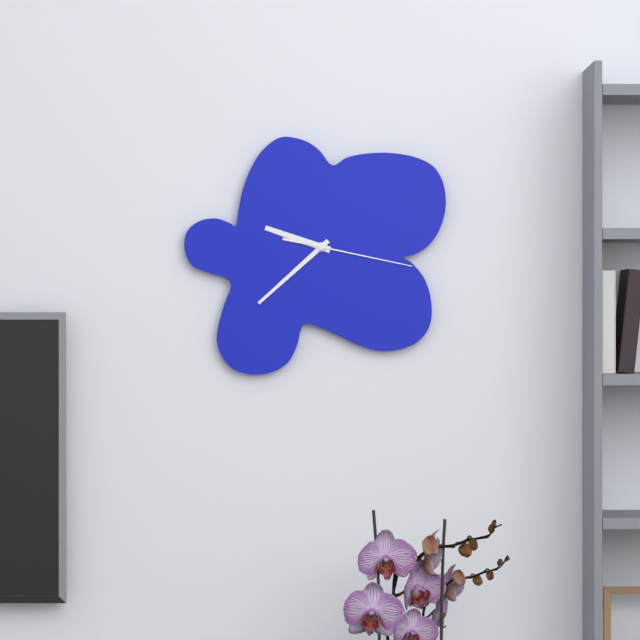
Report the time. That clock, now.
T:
9:38:17
